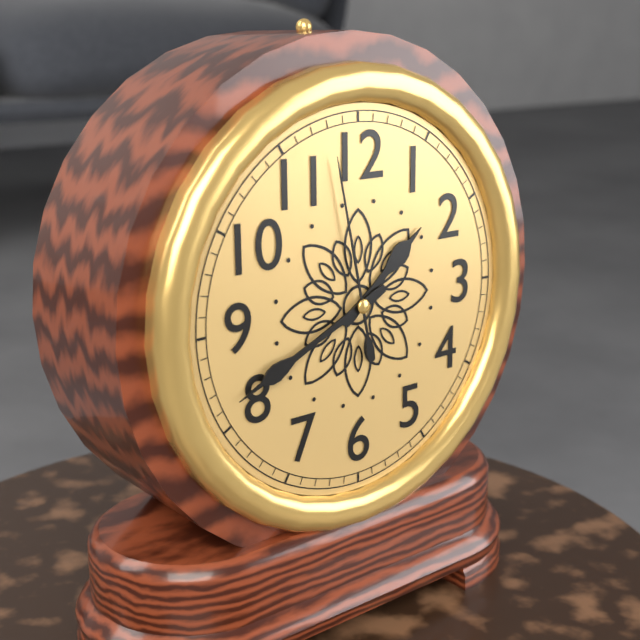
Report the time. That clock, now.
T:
1:41:58
